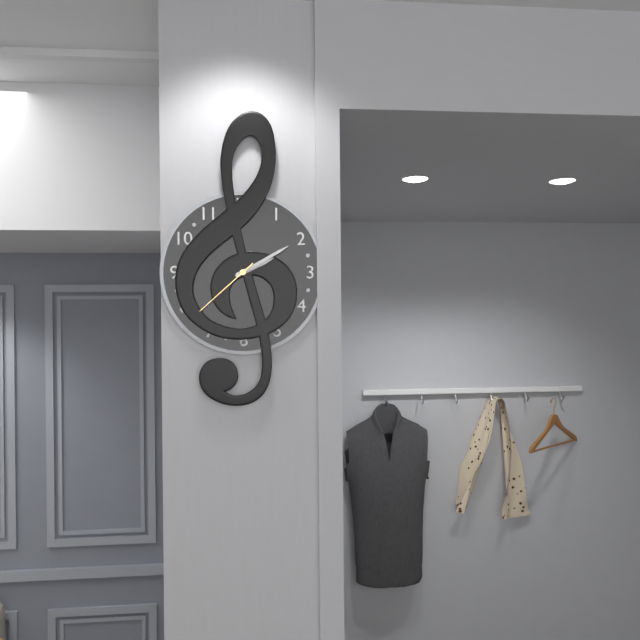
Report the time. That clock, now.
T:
2:10:38
